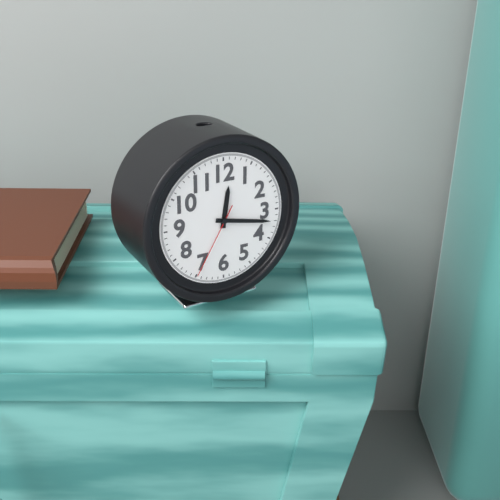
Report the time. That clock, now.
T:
12:17:35
